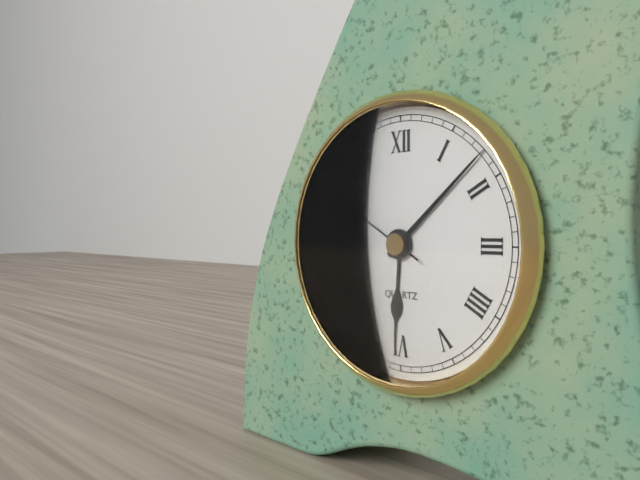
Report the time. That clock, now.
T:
6:08:50
